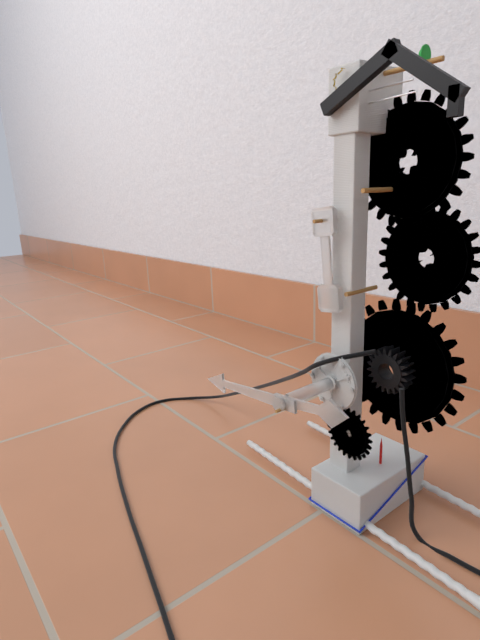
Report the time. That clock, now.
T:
2:44
